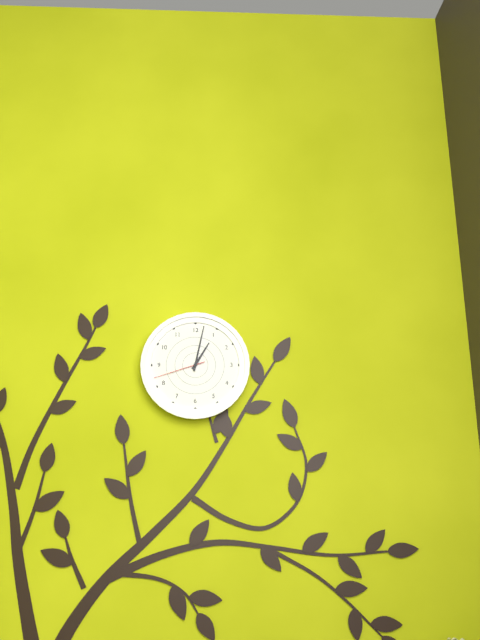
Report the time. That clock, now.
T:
1:02:42
